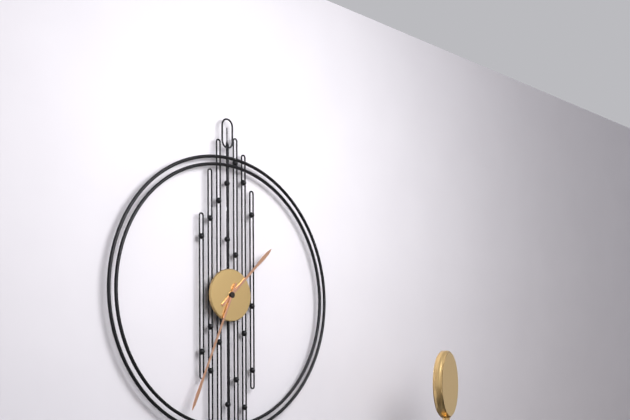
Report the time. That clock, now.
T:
1:34
